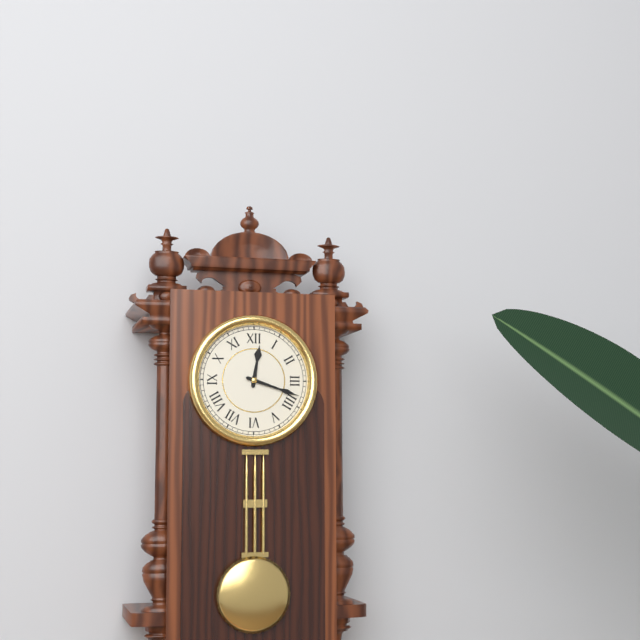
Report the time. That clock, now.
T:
12:18
